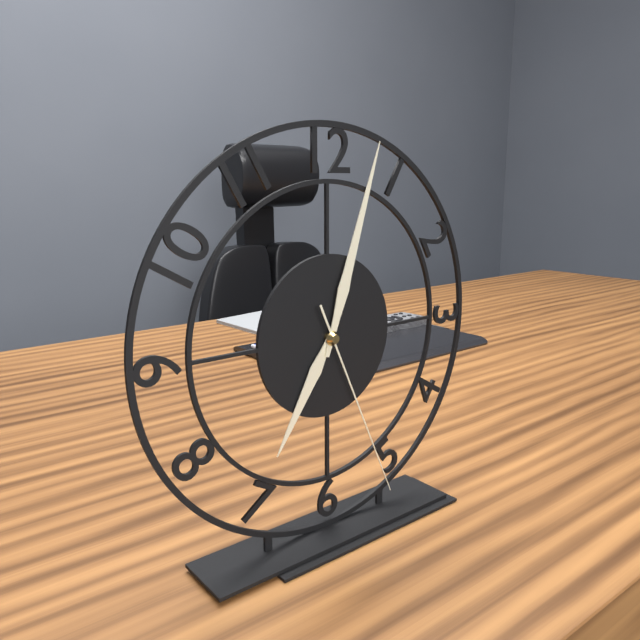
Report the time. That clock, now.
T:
7:03:26
